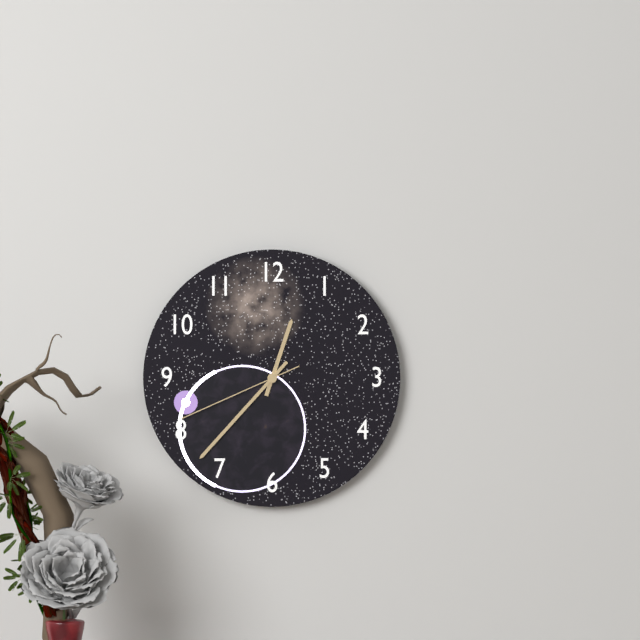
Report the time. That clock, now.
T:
12:37:41
